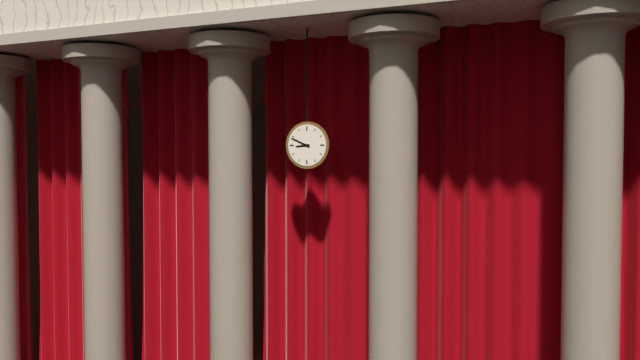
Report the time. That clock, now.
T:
8:49
